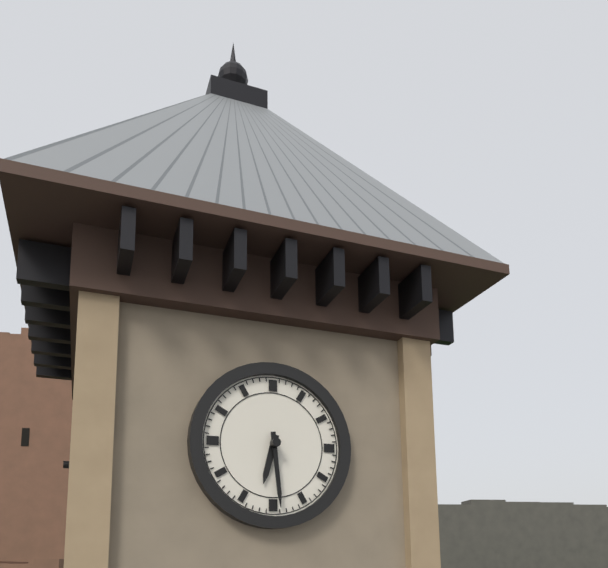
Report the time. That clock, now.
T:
6:29
